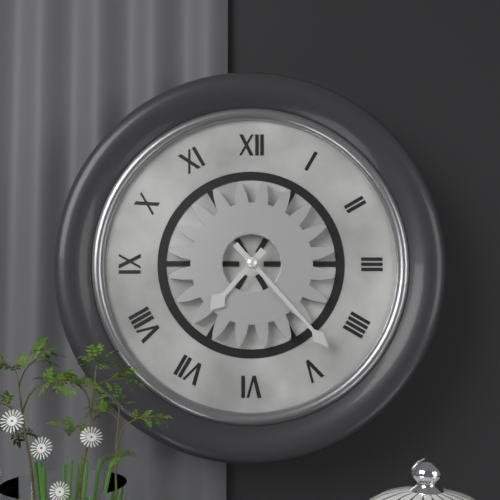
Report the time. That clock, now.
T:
7:23
